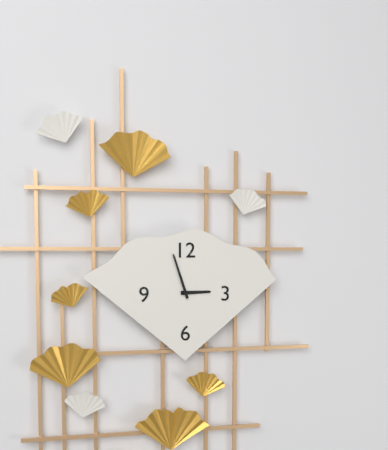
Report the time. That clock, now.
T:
2:57
